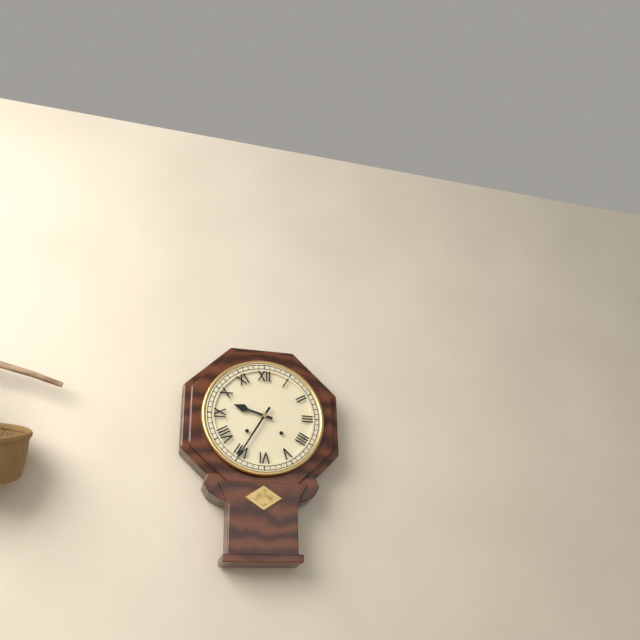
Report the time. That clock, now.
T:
9:35
